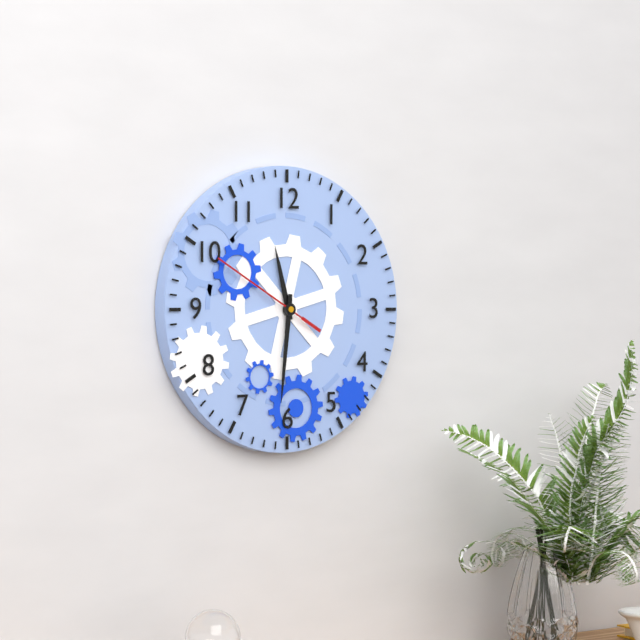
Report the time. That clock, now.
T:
11:31:50
